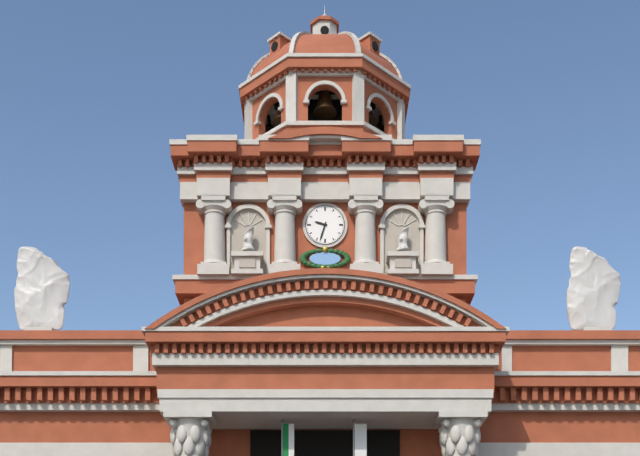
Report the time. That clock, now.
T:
9:33
